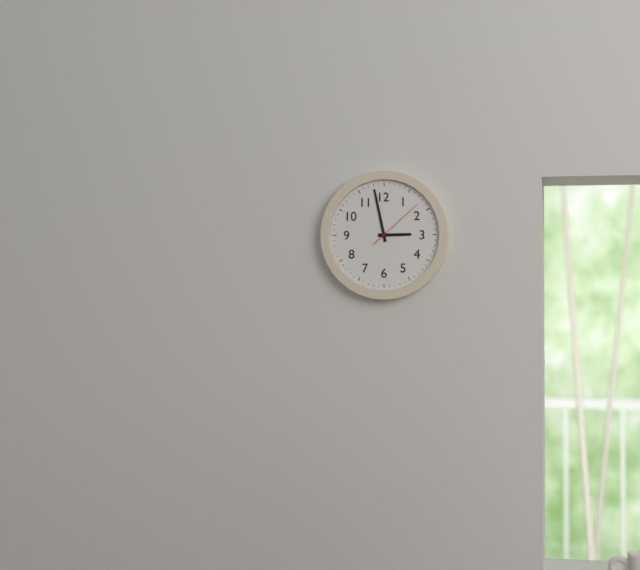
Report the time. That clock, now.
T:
2:58:08
